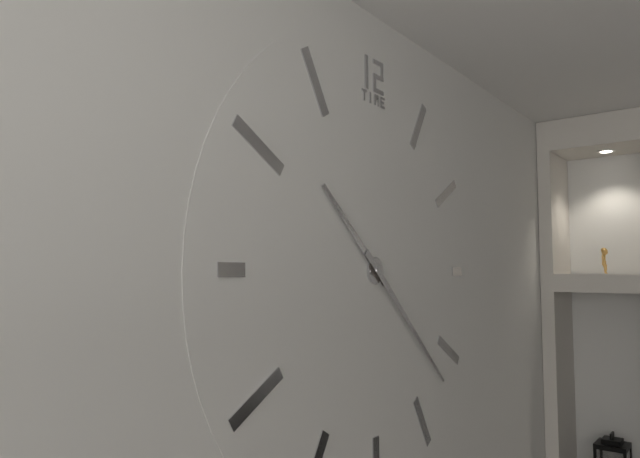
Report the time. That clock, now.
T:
10:22
